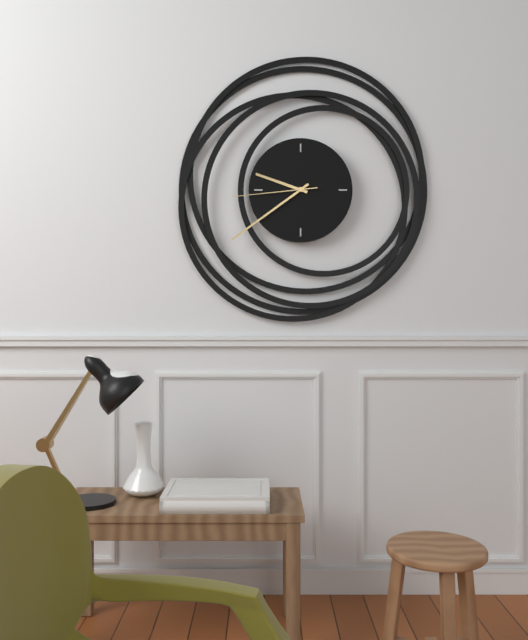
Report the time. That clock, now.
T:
9:39:44
